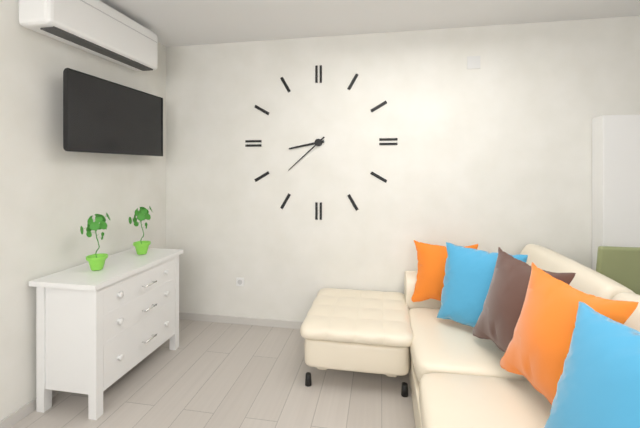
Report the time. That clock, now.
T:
8:38
